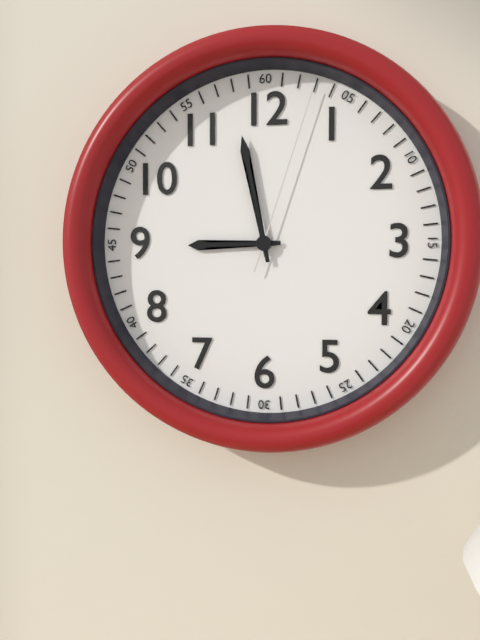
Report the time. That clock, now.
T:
8:58:03
